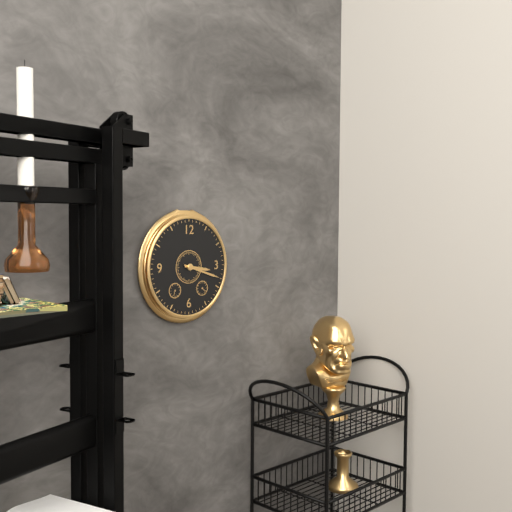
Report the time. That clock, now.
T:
3:18
